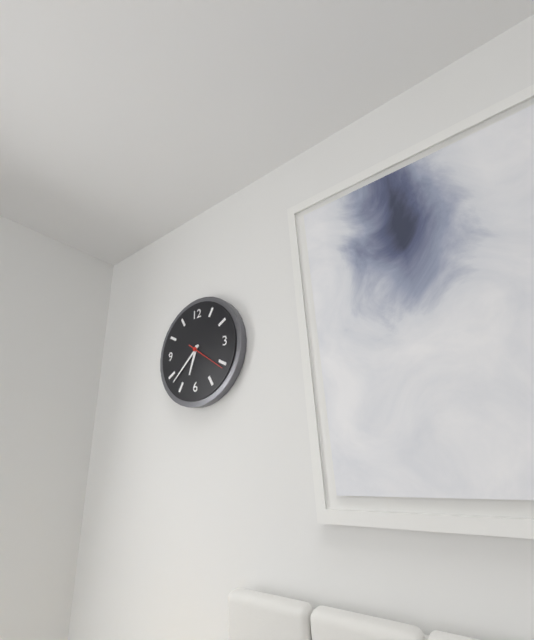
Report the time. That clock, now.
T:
6:38
